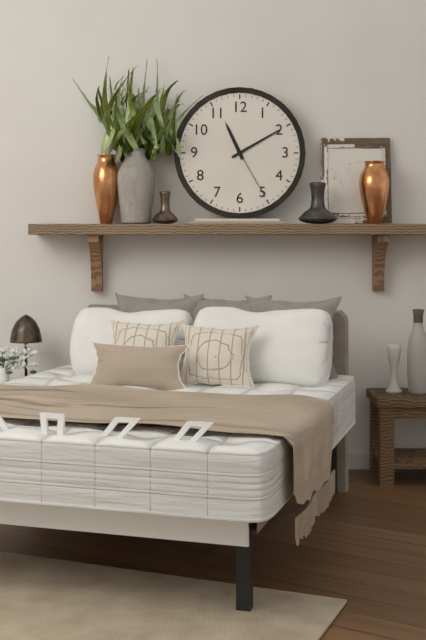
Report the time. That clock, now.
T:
11:10:25
